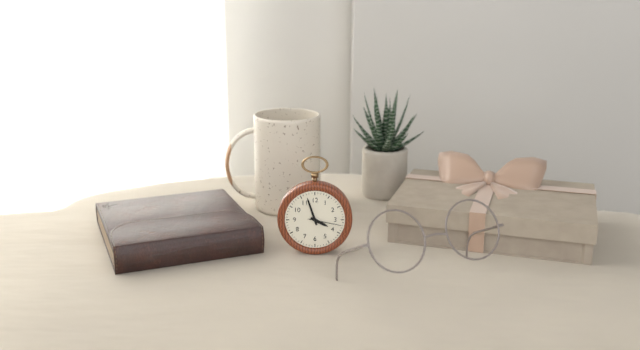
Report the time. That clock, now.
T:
3:57
